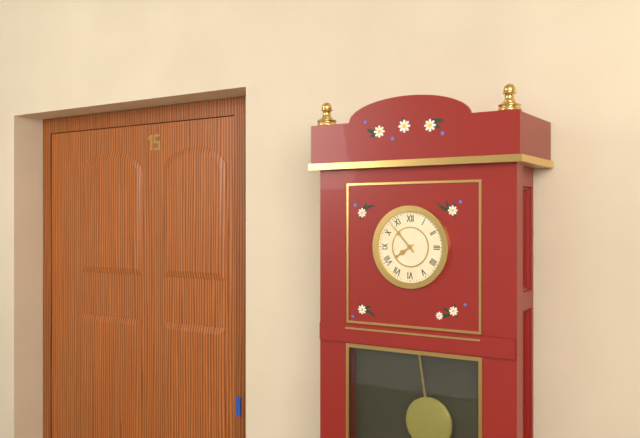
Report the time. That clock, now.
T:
7:53
